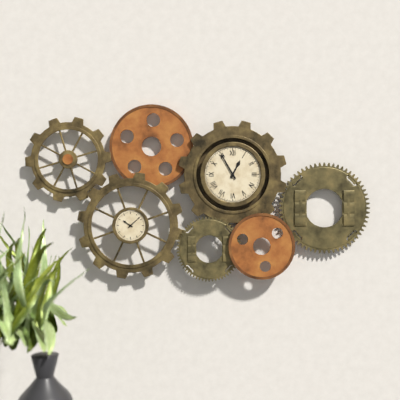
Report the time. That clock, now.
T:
12:55
